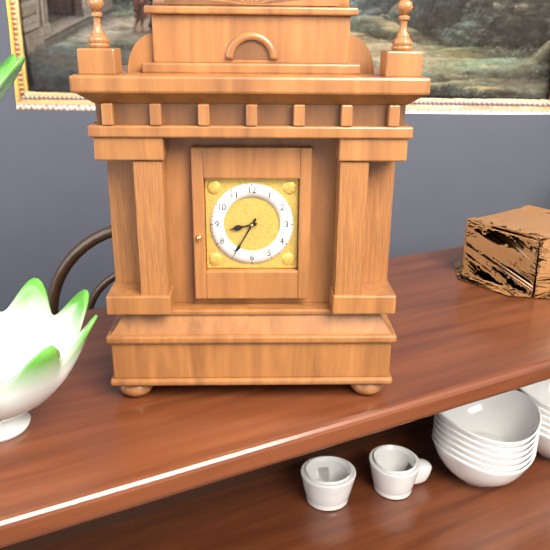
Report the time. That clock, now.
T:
8:35
